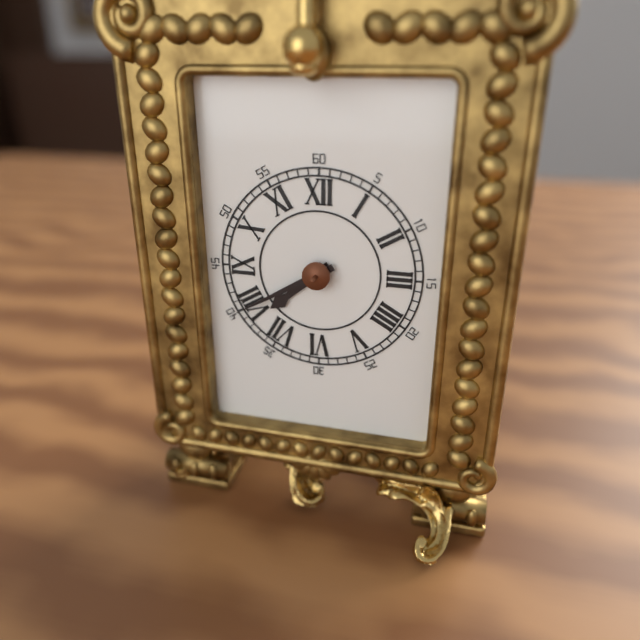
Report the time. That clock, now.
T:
7:40
